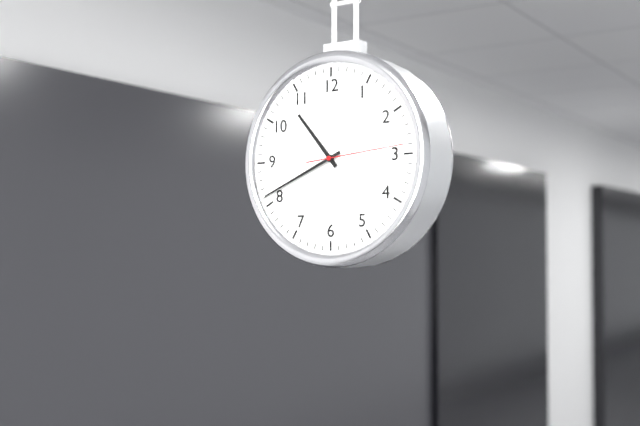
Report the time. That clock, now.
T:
10:41:14
